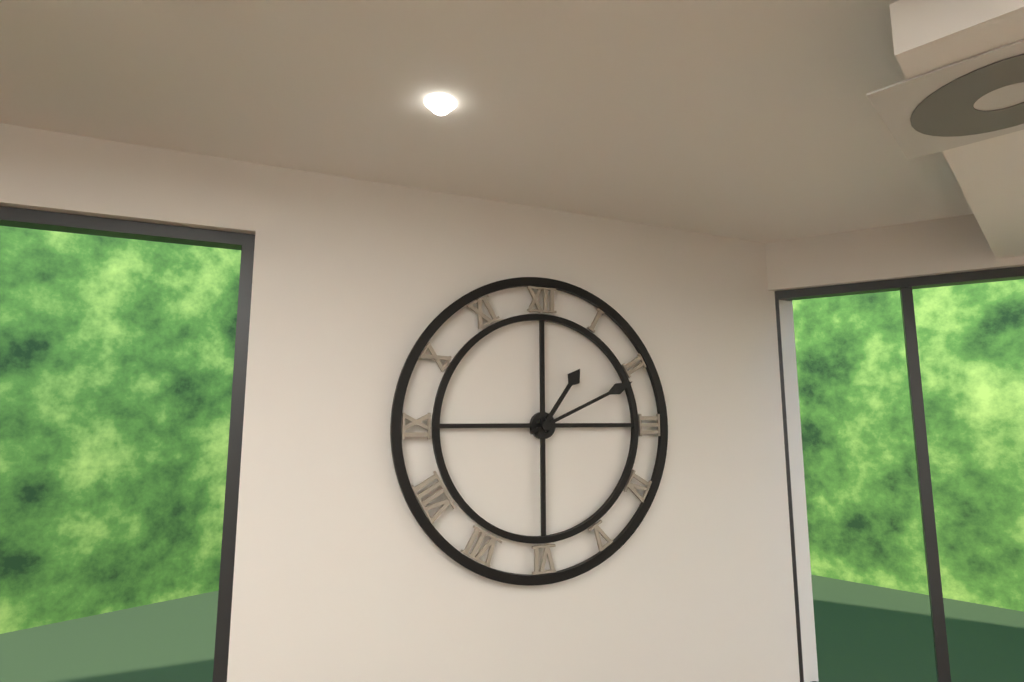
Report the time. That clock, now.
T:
1:11
